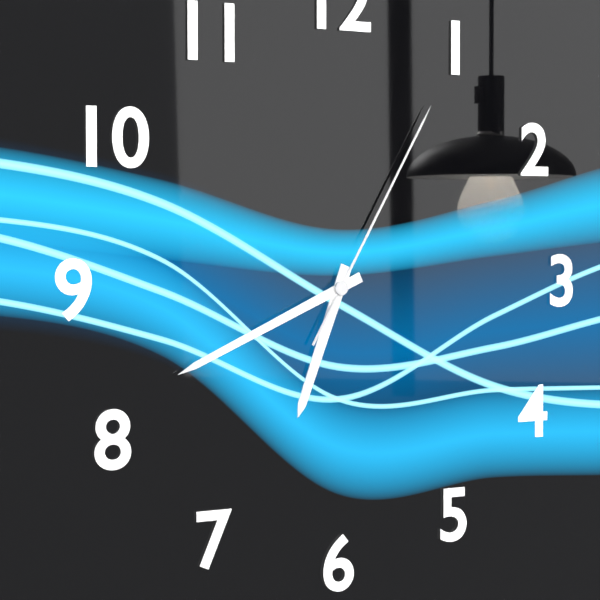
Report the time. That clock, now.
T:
6:41:05
